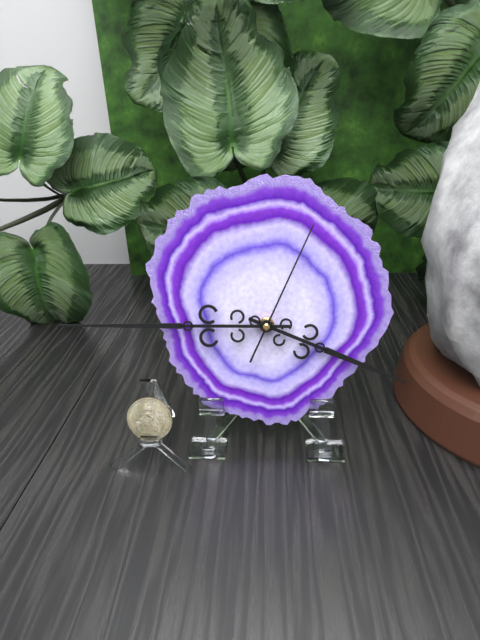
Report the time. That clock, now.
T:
3:45:04
